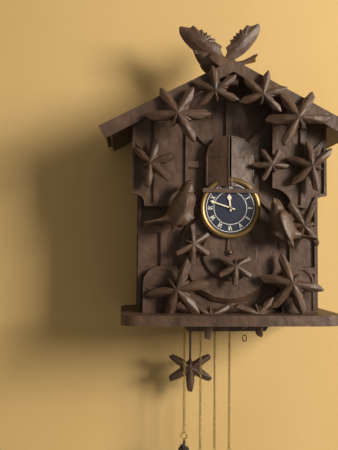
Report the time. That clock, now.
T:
11:48
